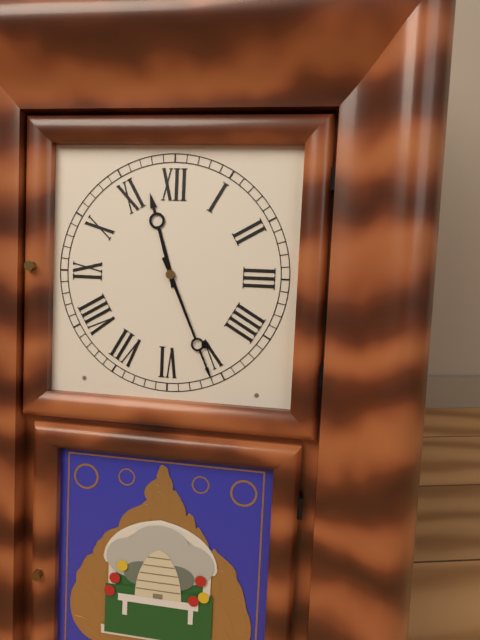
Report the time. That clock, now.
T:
11:26
